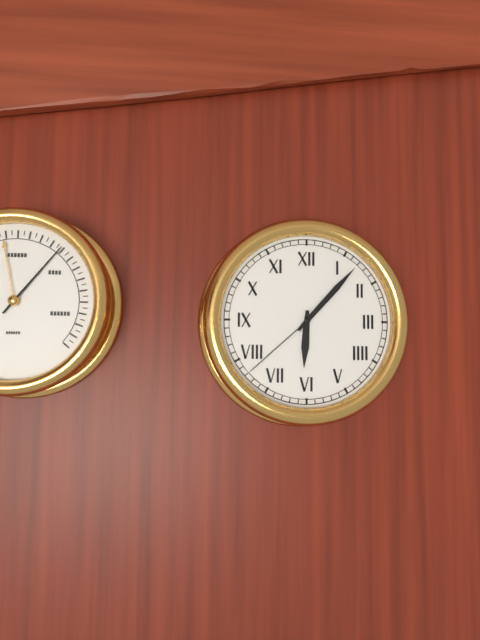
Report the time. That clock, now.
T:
6:07:38
